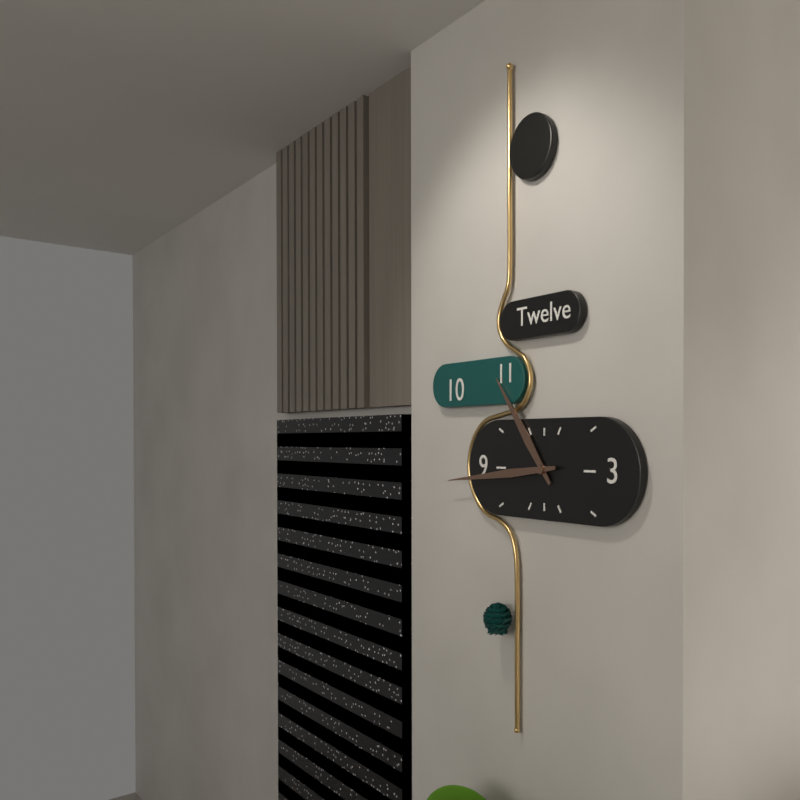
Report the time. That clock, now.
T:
10:44
